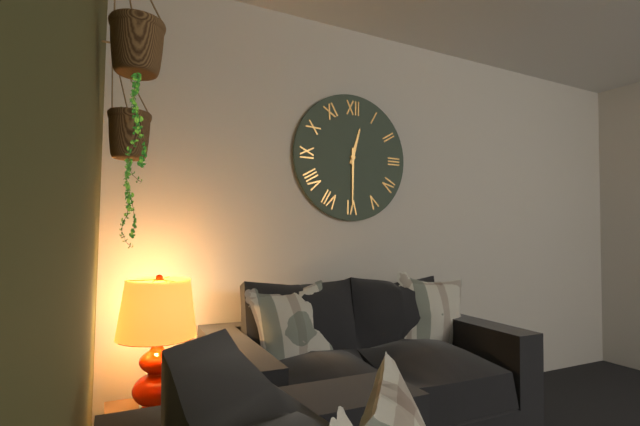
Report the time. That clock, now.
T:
12:30
